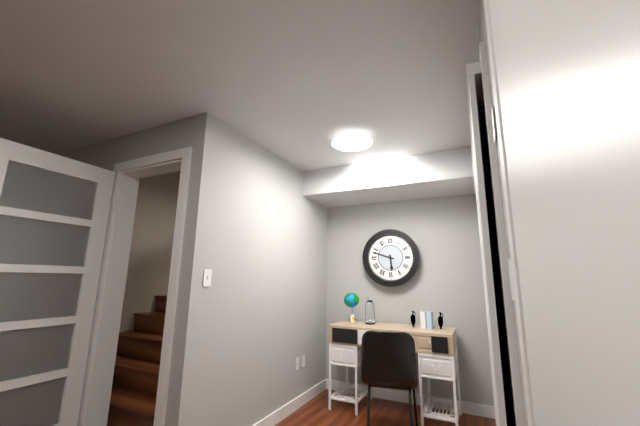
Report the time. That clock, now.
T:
5:48
